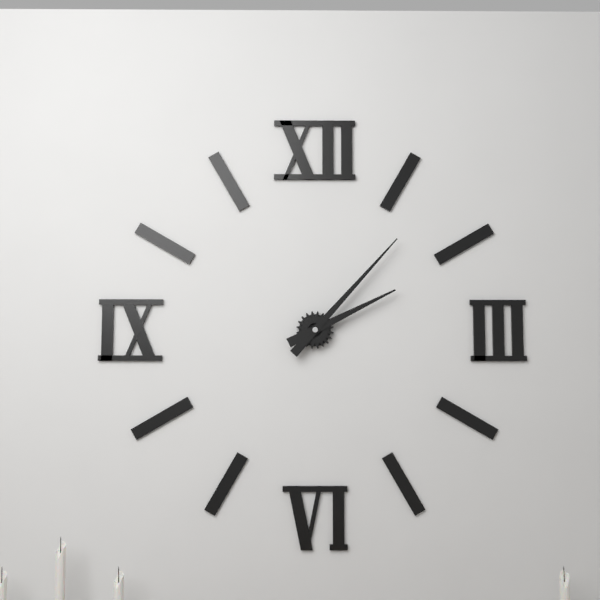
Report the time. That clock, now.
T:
2:07
